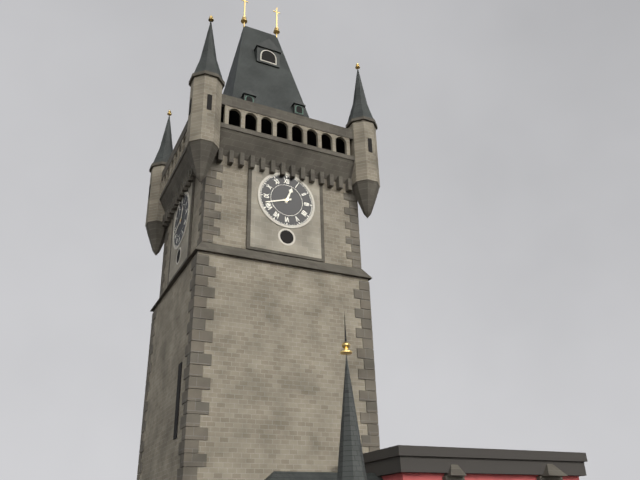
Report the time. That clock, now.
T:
12:42
